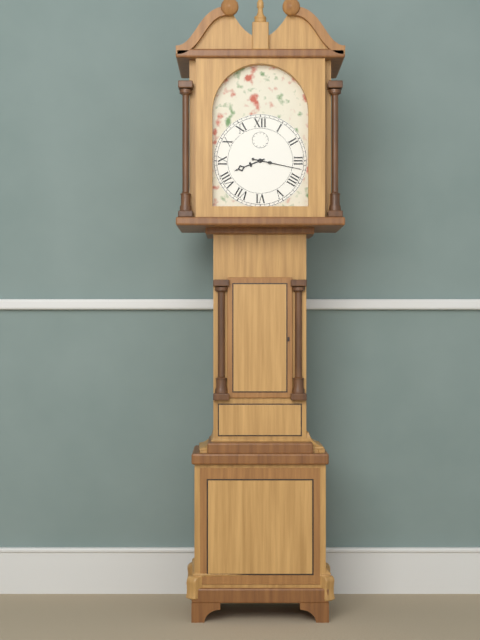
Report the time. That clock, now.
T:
8:17
